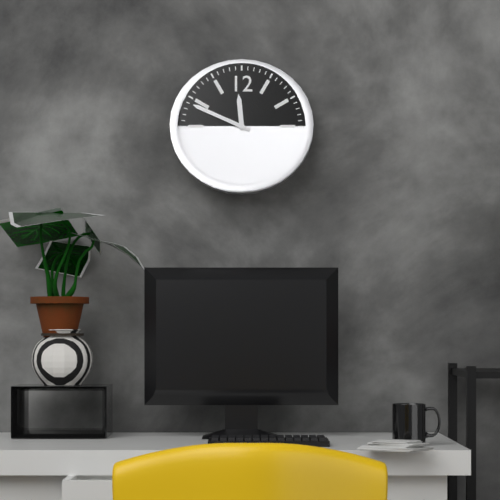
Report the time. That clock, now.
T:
11:49
